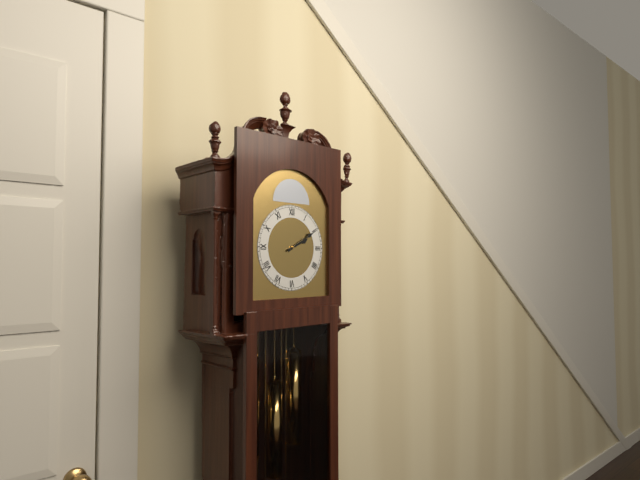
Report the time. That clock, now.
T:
2:10
